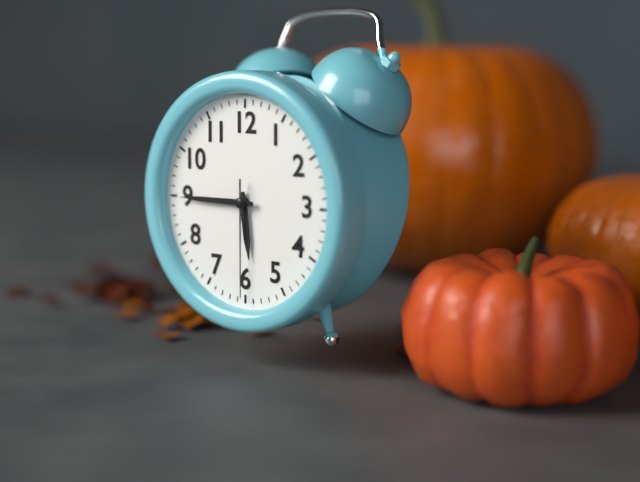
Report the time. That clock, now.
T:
5:45:30
